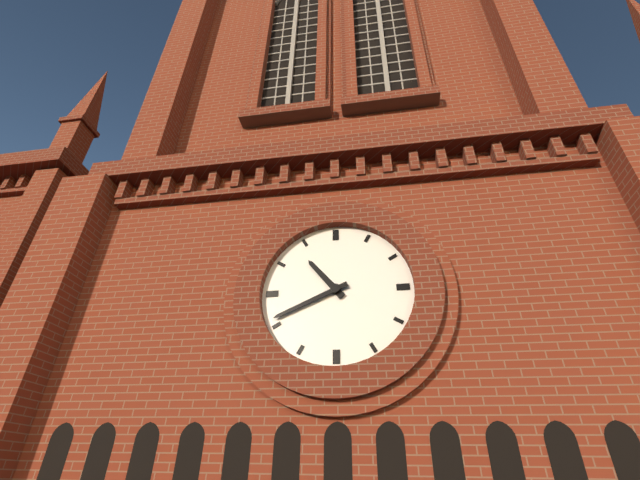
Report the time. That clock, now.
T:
10:41
